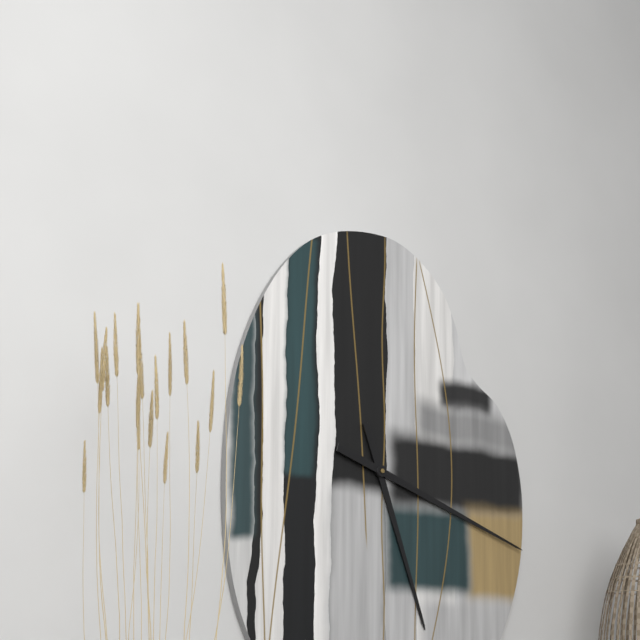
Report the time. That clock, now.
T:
5:18
